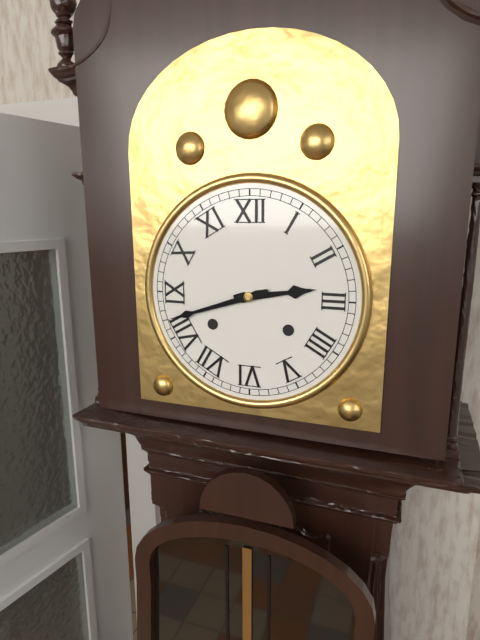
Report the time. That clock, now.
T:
2:42
